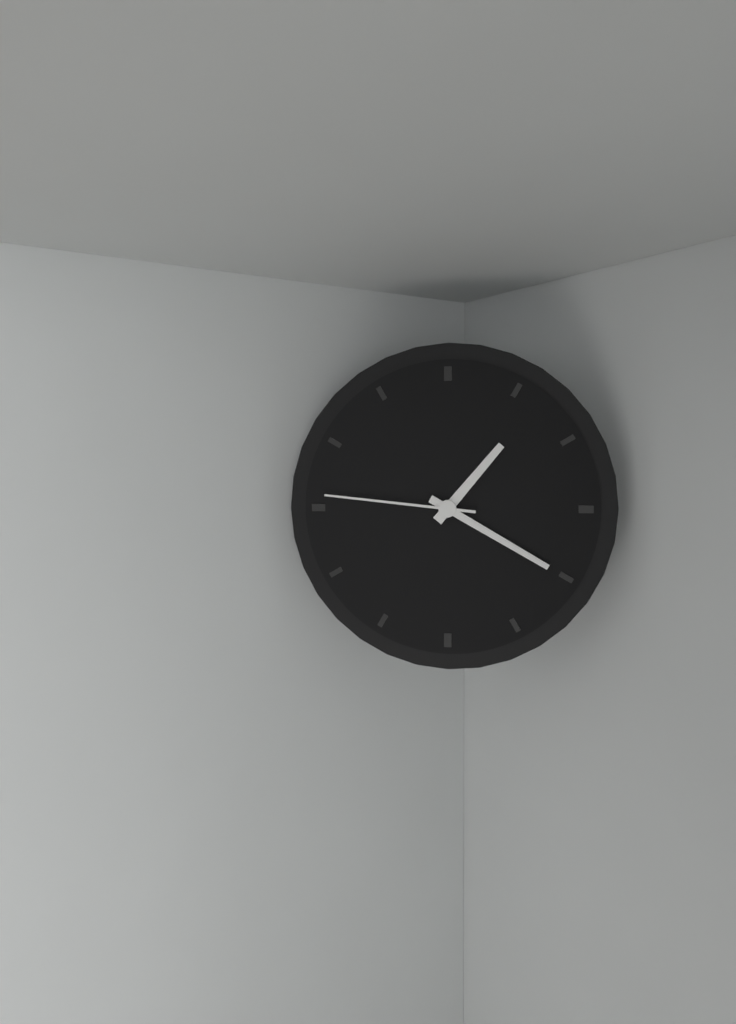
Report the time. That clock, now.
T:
1:20:46
